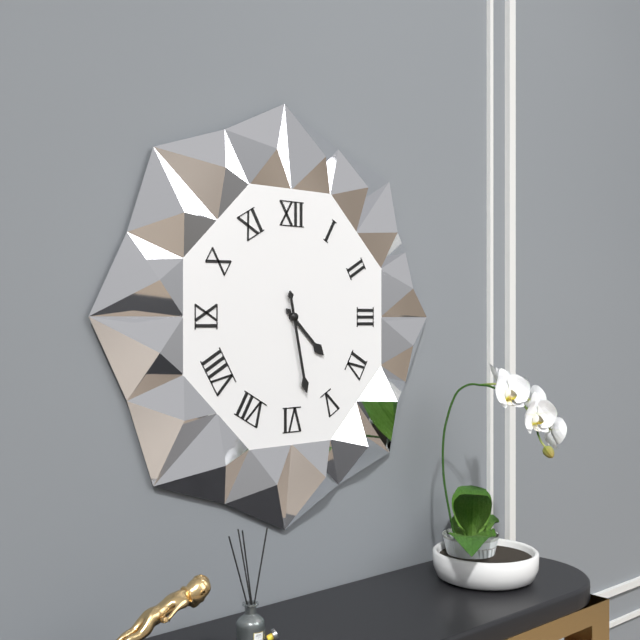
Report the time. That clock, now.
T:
4:28
